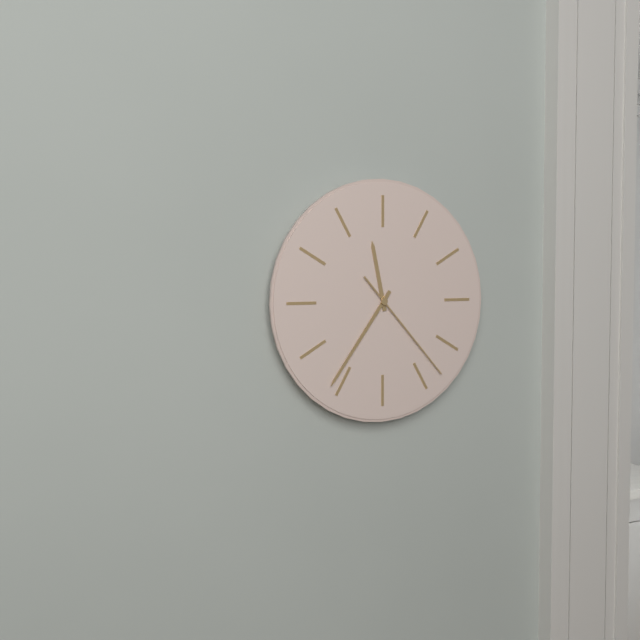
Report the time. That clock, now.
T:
11:36:23
